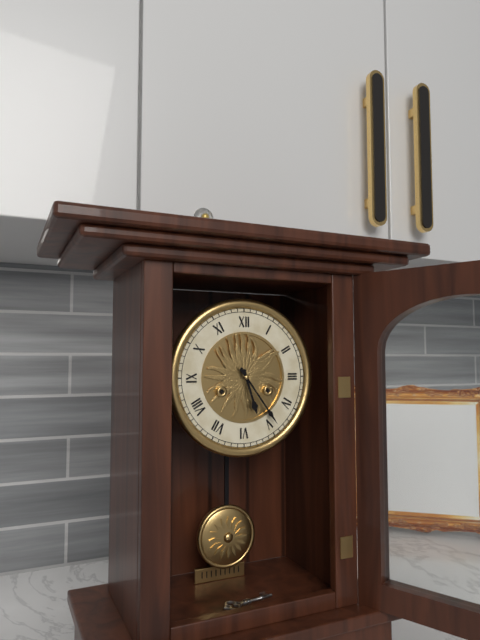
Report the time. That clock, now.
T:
5:24
